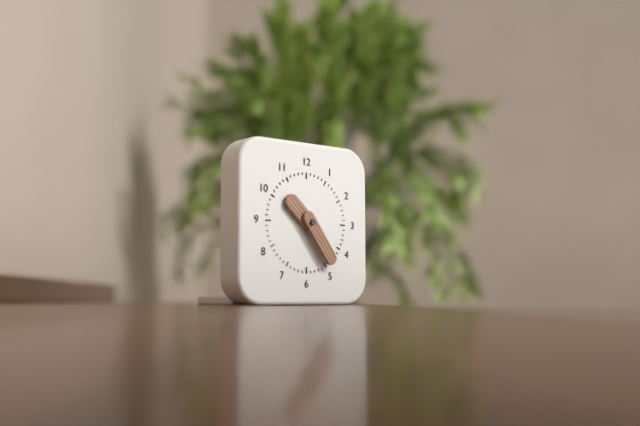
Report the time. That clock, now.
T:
10:24
